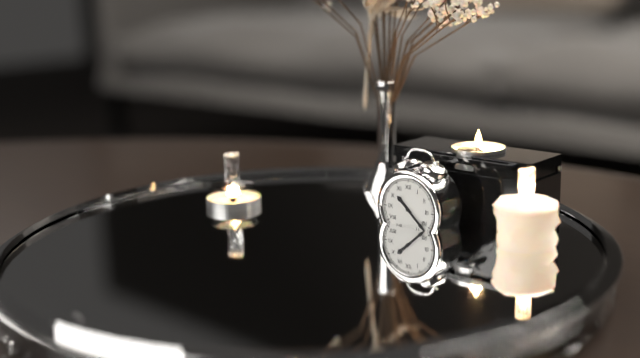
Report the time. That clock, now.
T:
10:22
